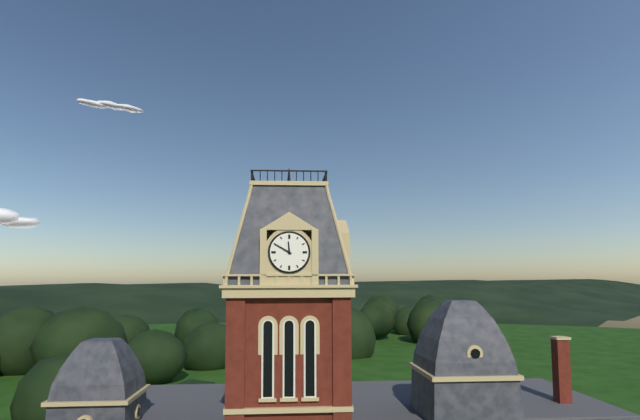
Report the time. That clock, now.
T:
11:50
